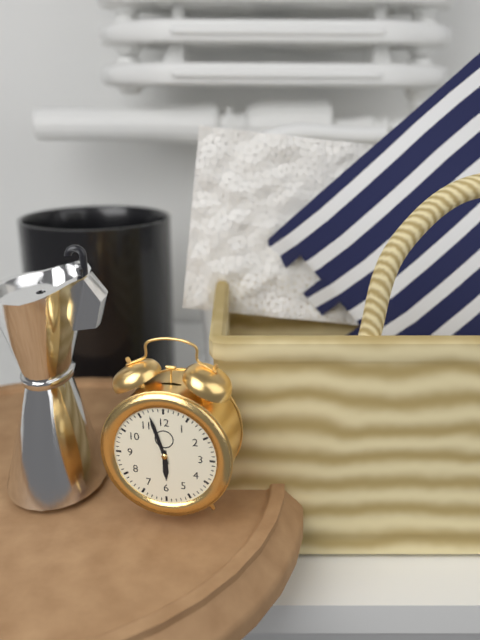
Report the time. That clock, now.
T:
5:57
